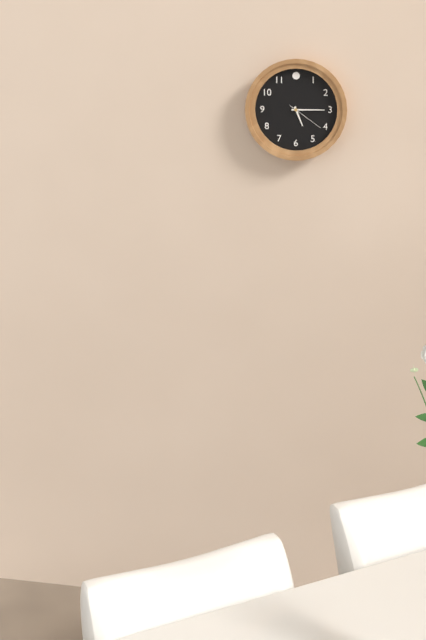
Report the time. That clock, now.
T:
5:15
